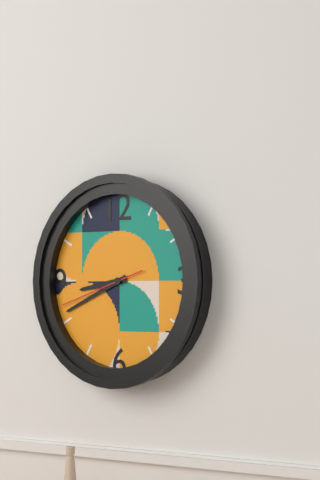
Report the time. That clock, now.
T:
8:41:42
